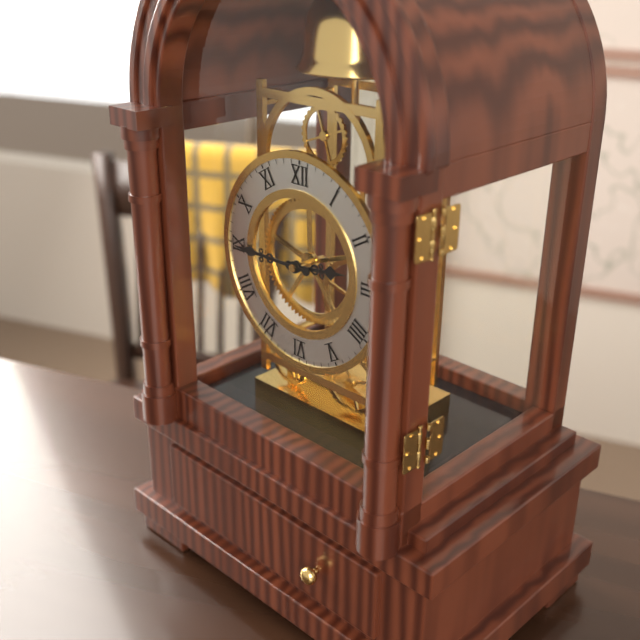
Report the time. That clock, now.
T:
2:45
